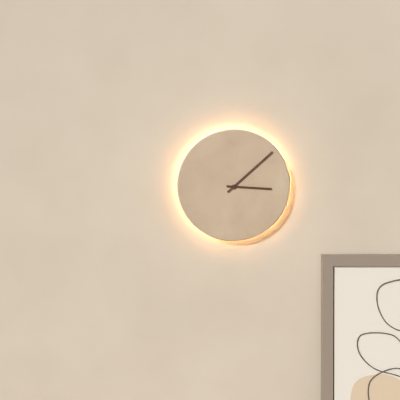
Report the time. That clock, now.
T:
3:08
